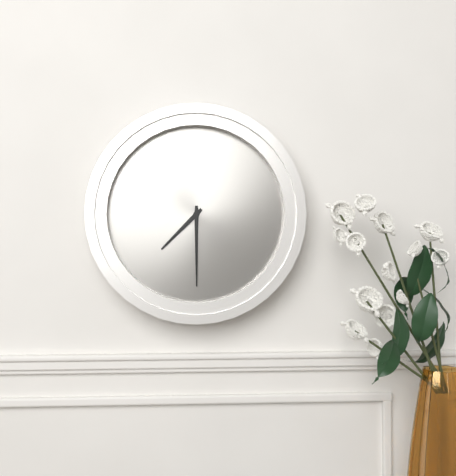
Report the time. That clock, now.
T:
7:30
